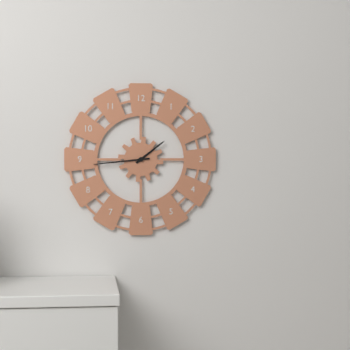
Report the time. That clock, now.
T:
1:44
